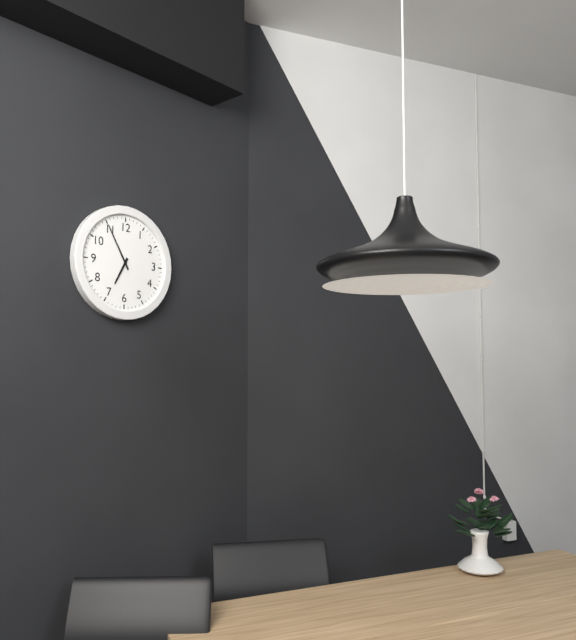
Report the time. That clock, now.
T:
6:55
